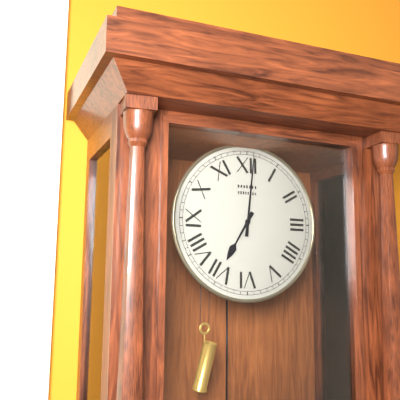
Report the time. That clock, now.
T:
7:01
